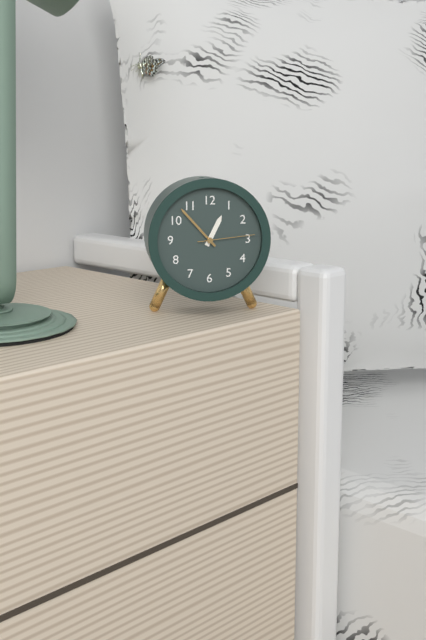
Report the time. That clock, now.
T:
12:53:14
